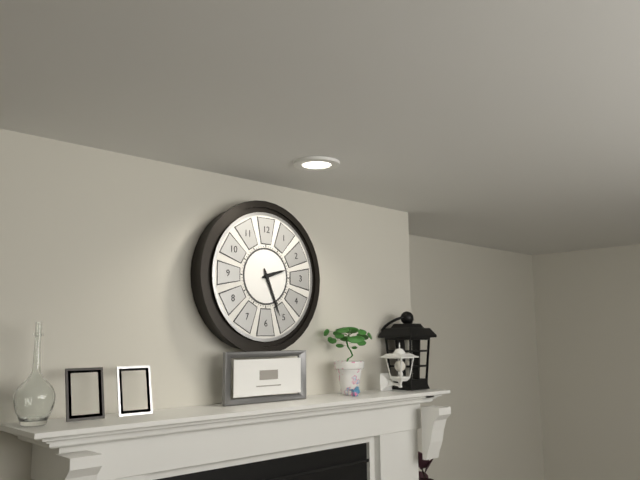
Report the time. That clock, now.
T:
2:26
